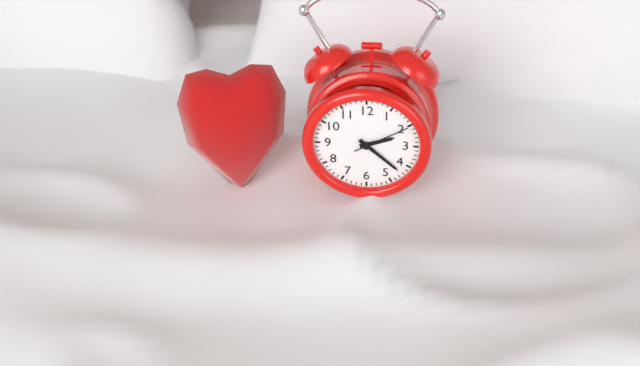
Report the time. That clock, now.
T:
2:22:10
